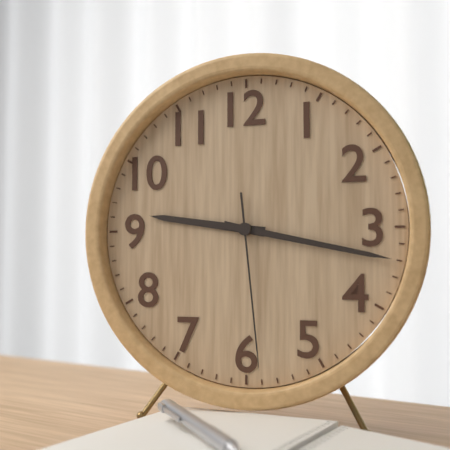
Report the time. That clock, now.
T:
9:17:29
